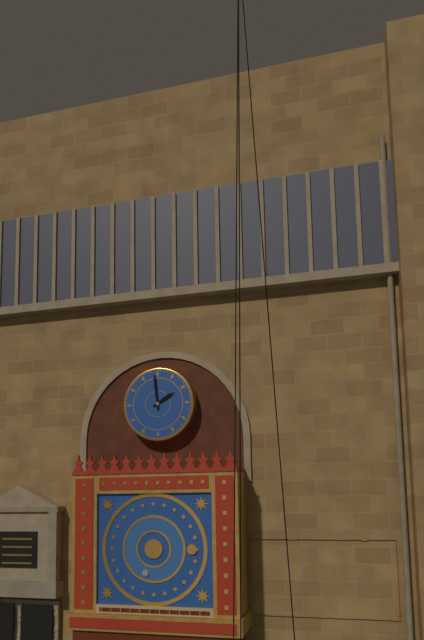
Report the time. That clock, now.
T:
1:59
